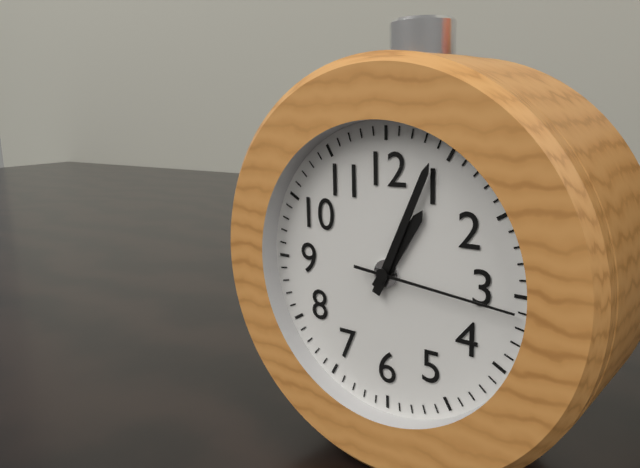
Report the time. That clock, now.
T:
1:04:16
